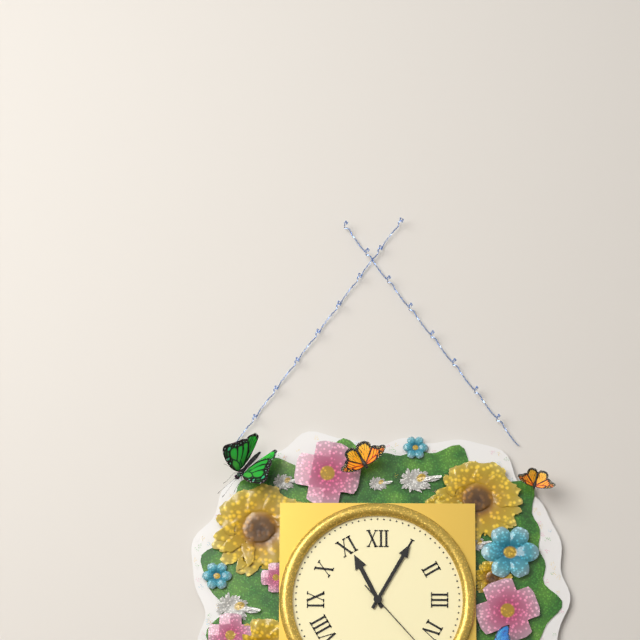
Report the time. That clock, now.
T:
11:05
